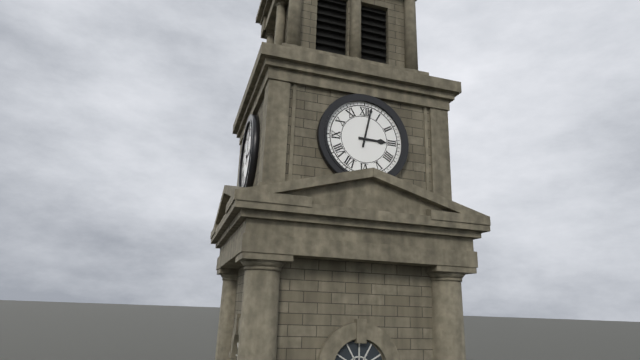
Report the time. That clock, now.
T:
3:02
